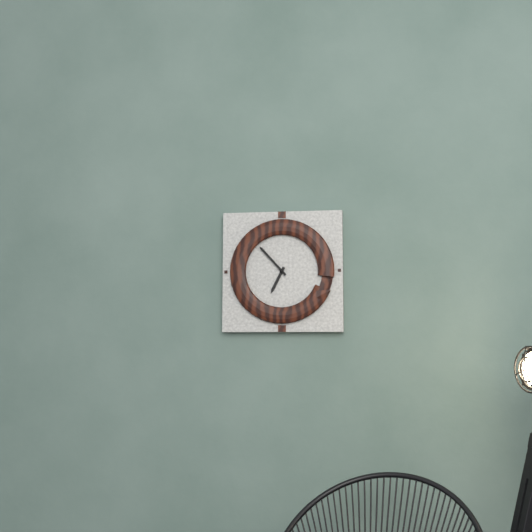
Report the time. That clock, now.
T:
6:53
